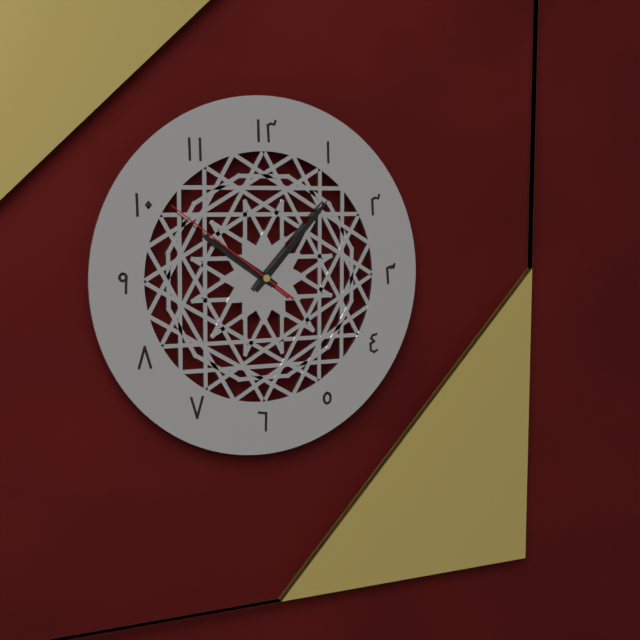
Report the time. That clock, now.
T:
10:07:51
